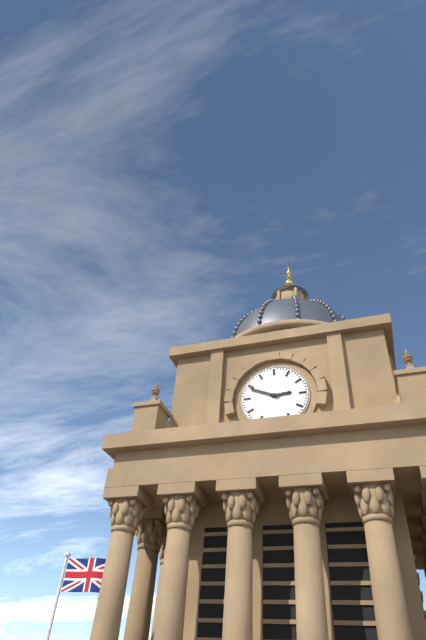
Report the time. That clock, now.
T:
2:49
